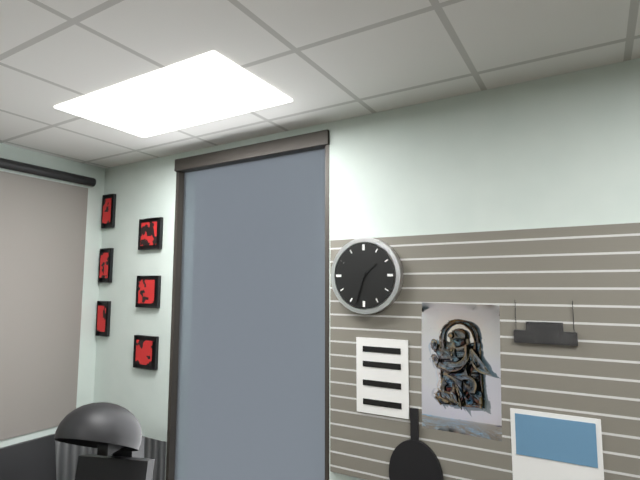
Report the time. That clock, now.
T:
1:33
